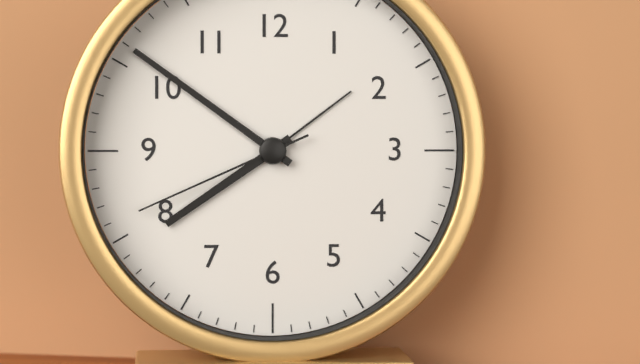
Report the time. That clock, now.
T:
7:51:41
